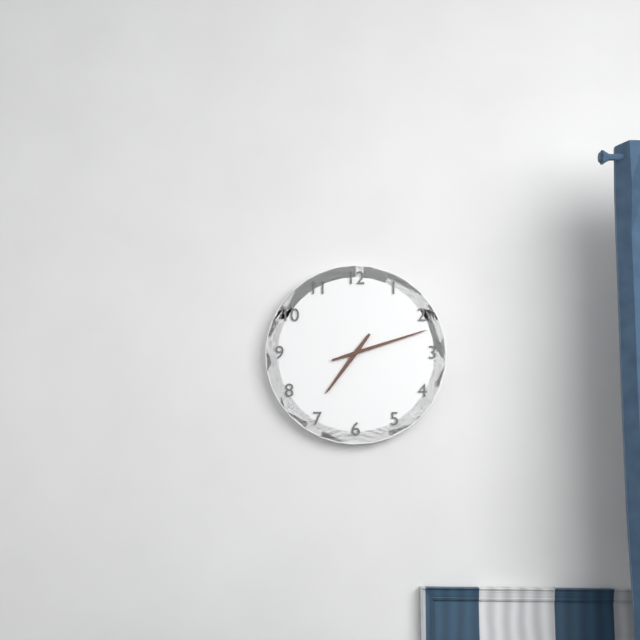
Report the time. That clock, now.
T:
7:12
